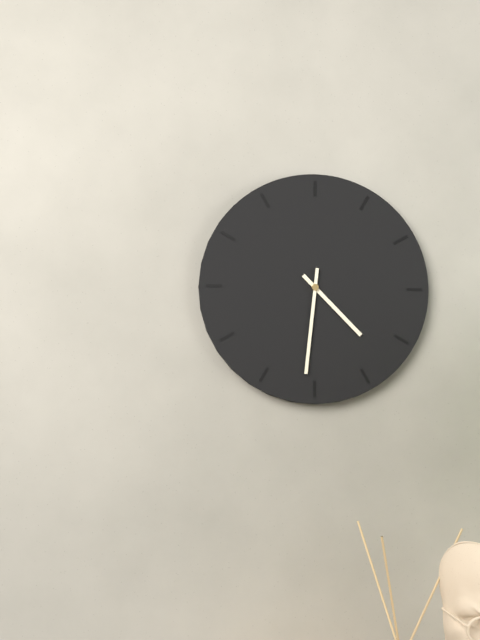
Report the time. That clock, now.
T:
4:31
